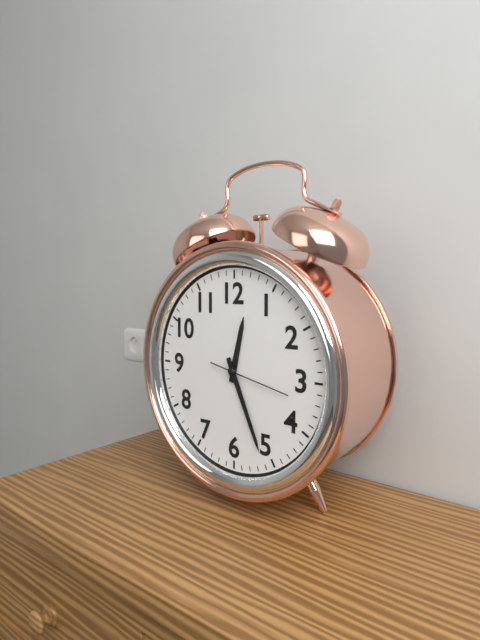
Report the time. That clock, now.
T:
12:26:17
